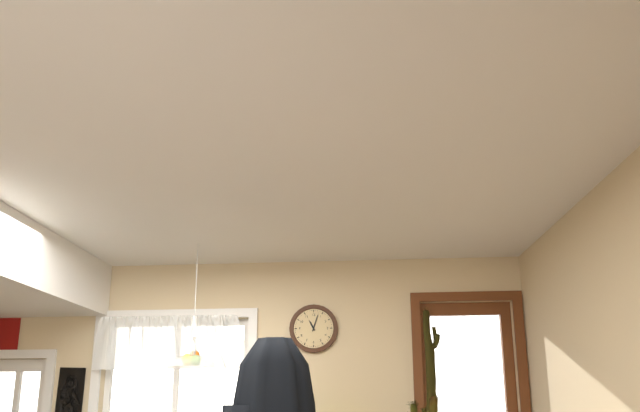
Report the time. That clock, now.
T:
11:03
